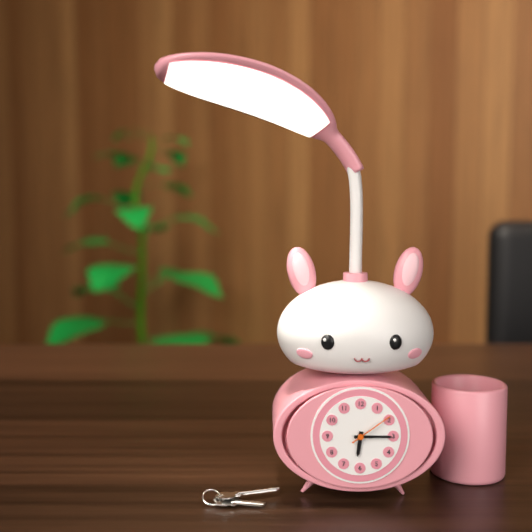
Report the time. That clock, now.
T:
6:15
